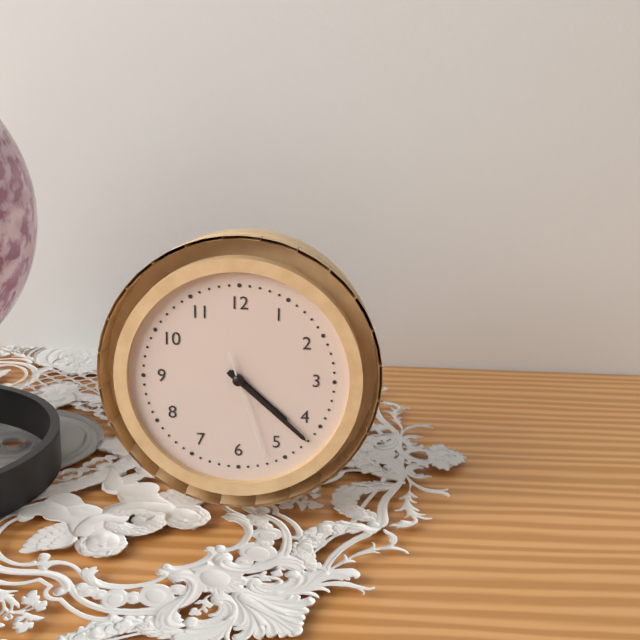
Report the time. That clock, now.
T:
4:22:27
